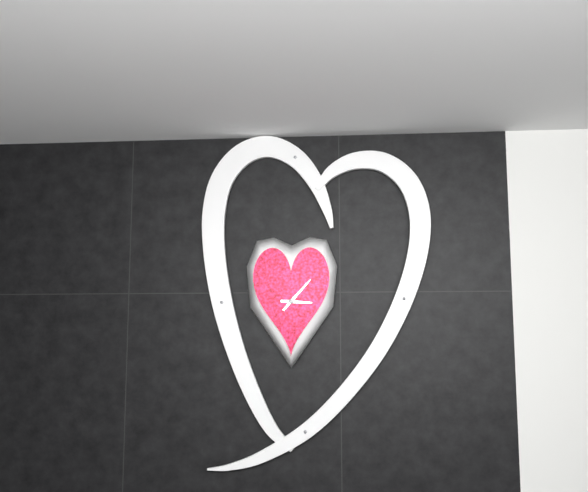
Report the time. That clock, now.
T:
3:07
